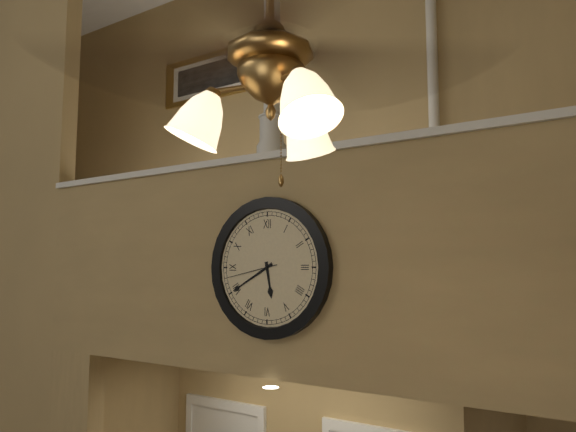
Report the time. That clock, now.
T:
5:40:43
